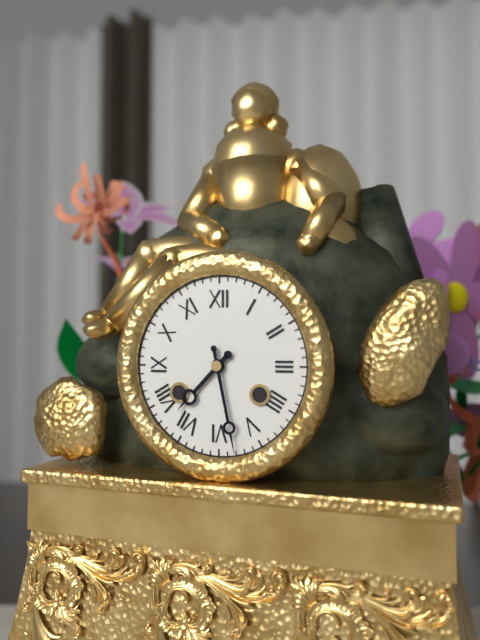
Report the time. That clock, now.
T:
7:28
